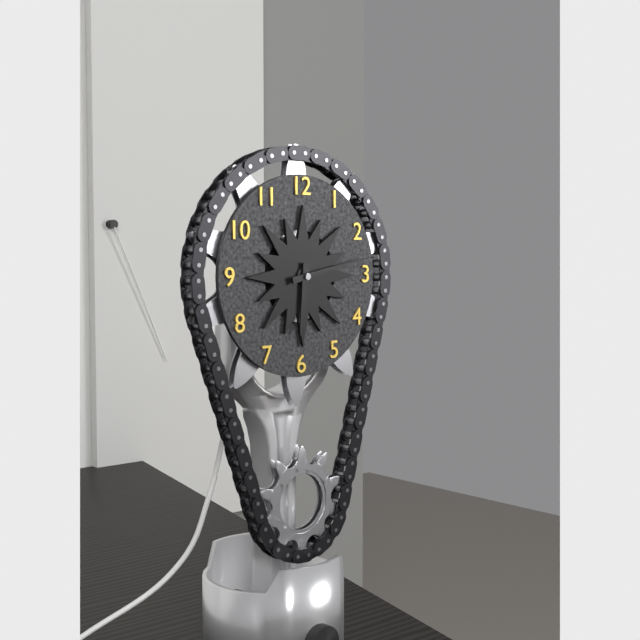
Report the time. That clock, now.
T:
6:13
